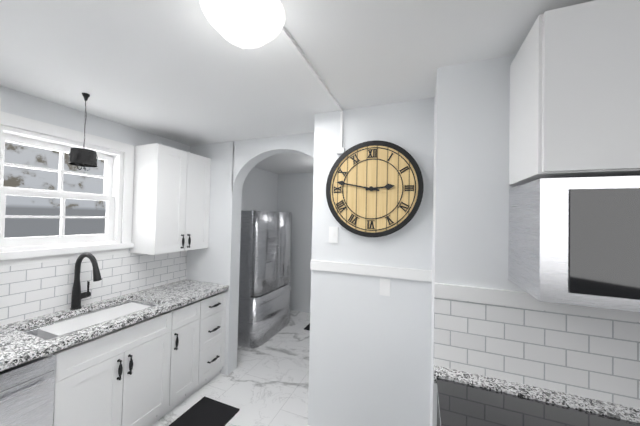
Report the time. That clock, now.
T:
2:47
